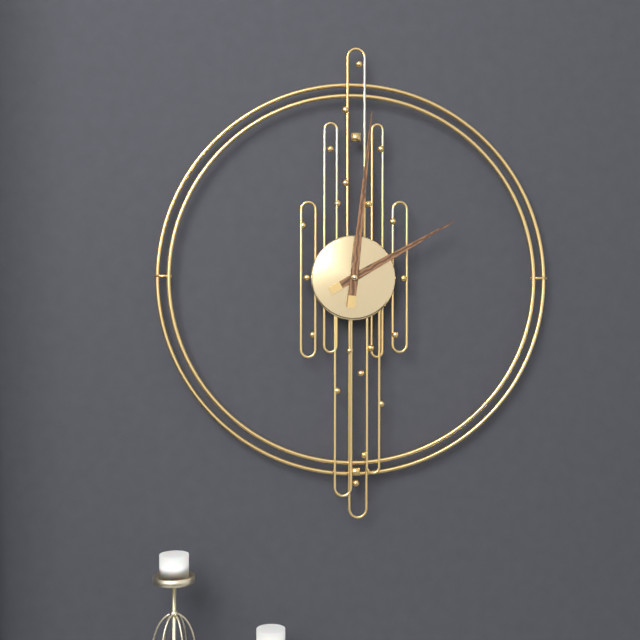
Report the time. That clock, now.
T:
2:01
